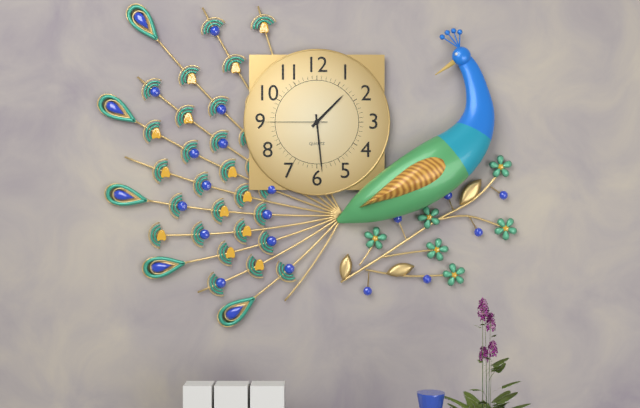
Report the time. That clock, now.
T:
1:29:45
